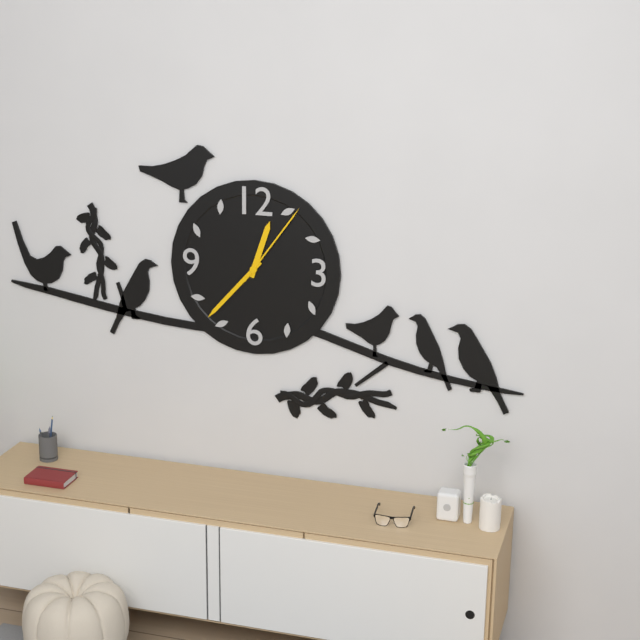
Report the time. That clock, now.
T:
12:37:06
